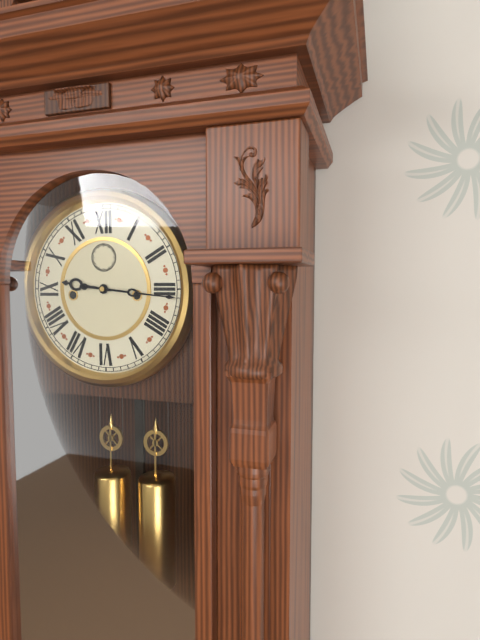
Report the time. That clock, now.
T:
9:16
